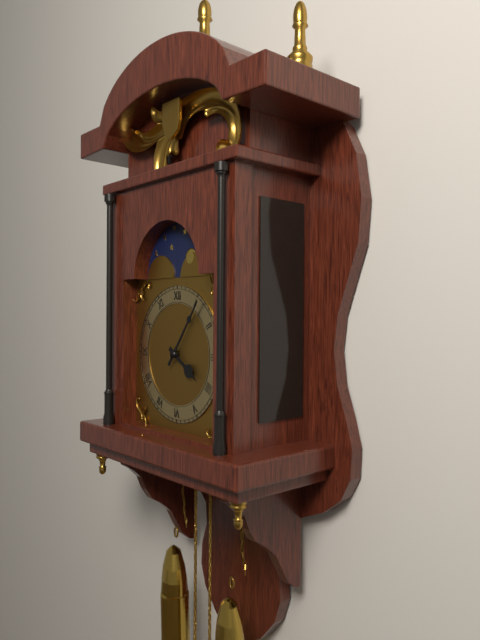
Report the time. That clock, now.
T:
4:06
